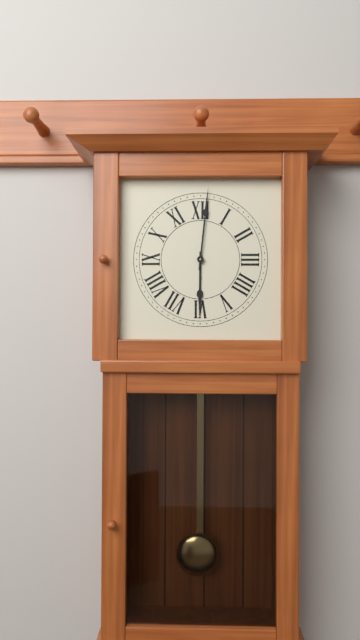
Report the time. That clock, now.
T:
6:01
